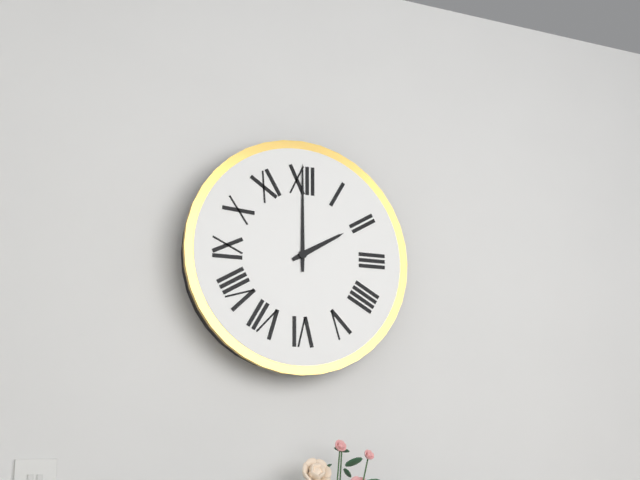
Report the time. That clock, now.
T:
2:00
